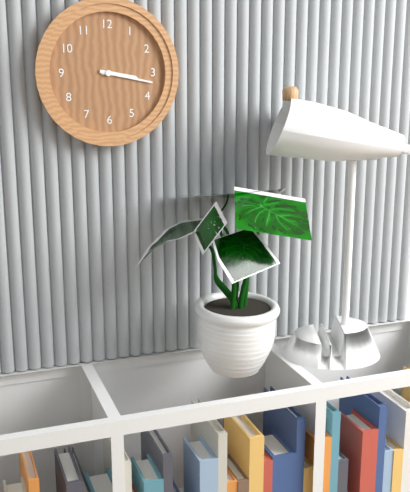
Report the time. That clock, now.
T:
3:17
